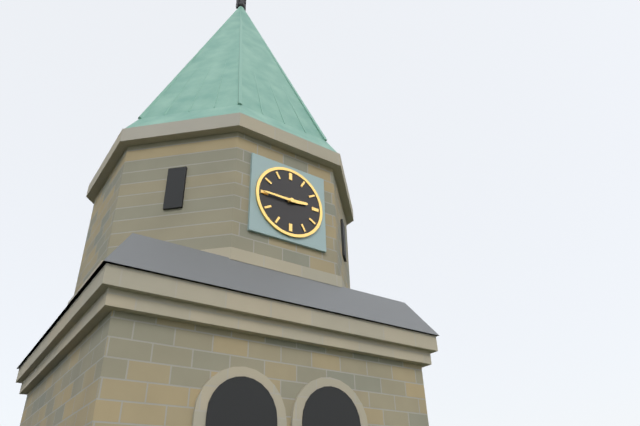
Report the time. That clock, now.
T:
2:45
